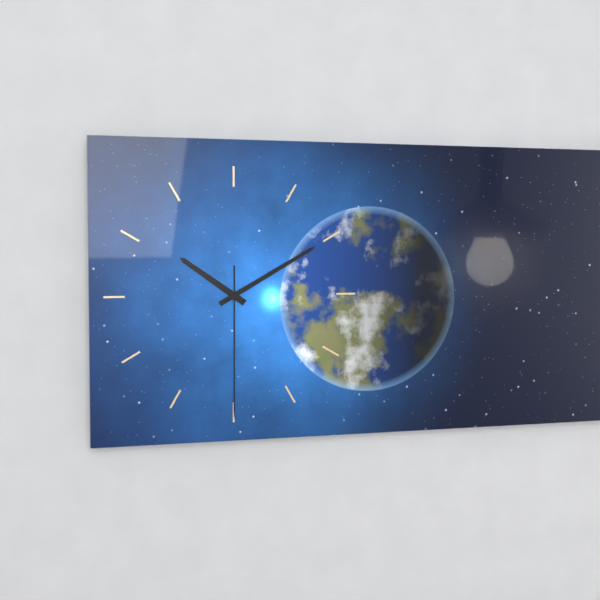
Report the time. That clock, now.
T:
10:10:30
